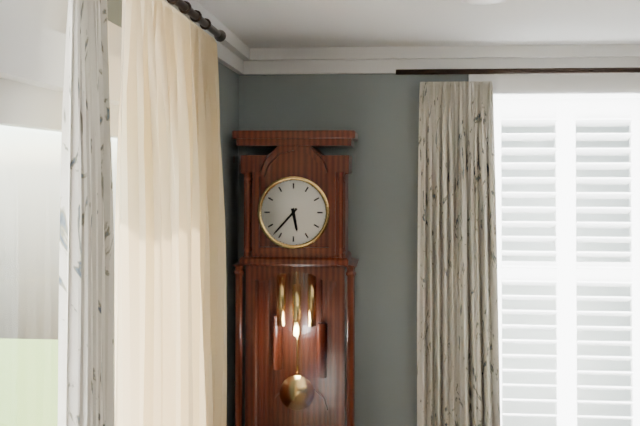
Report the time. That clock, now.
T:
5:37
